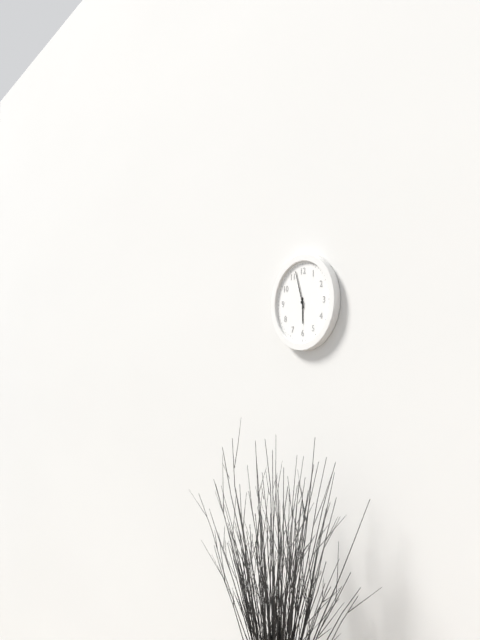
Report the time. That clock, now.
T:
5:57
